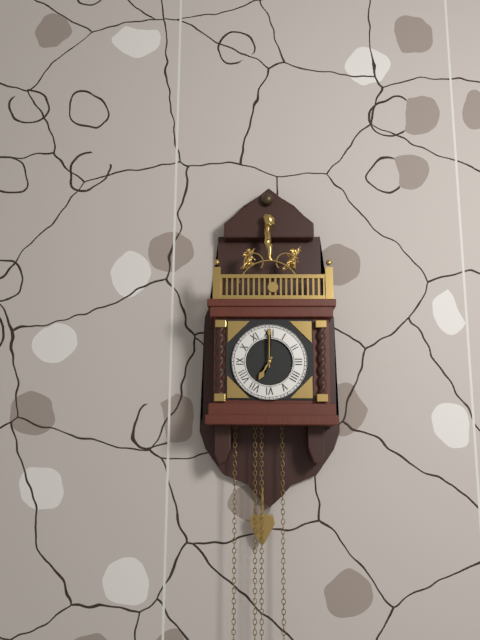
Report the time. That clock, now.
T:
7:00
